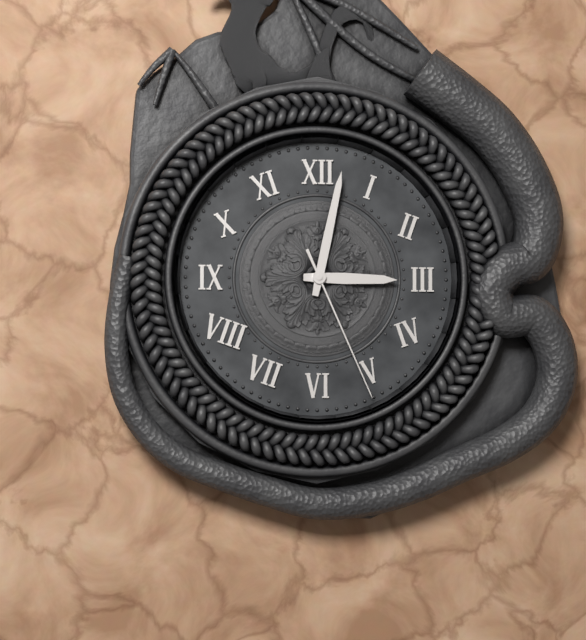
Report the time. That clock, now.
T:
3:02:26
